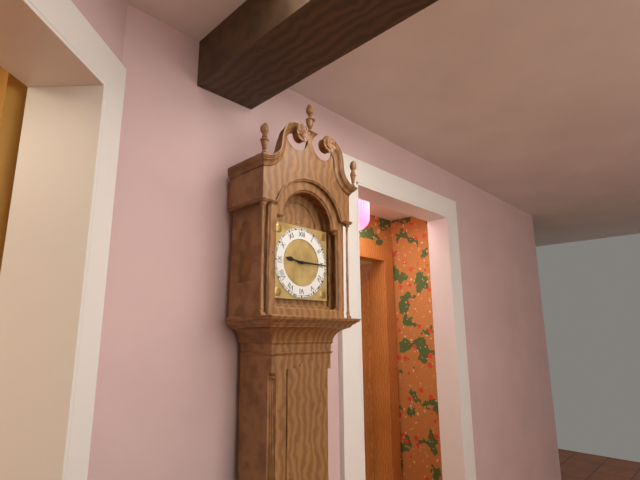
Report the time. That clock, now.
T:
9:15
